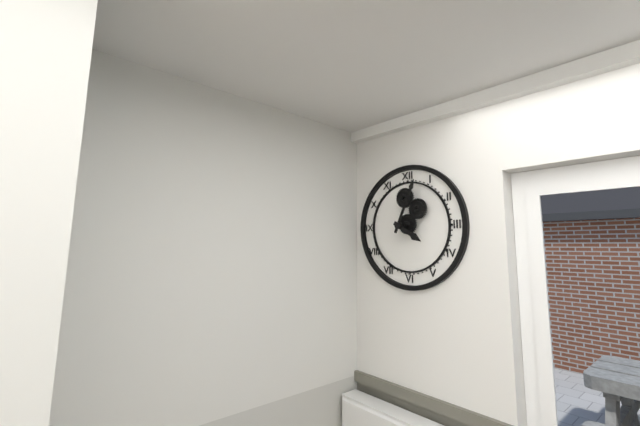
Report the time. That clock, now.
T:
4:04
